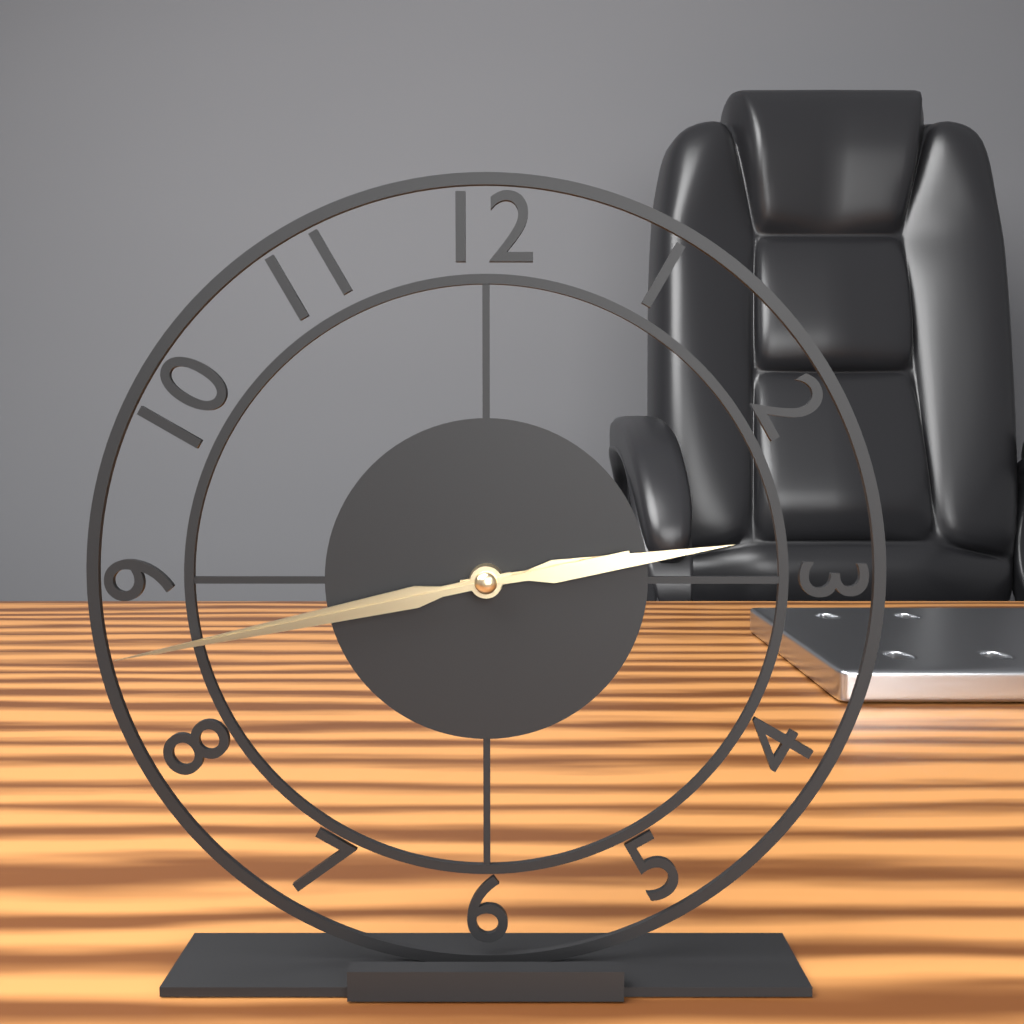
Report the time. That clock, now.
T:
2:43:43
